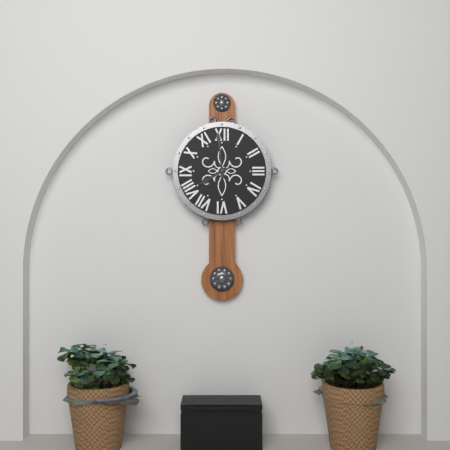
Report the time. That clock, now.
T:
7:59
